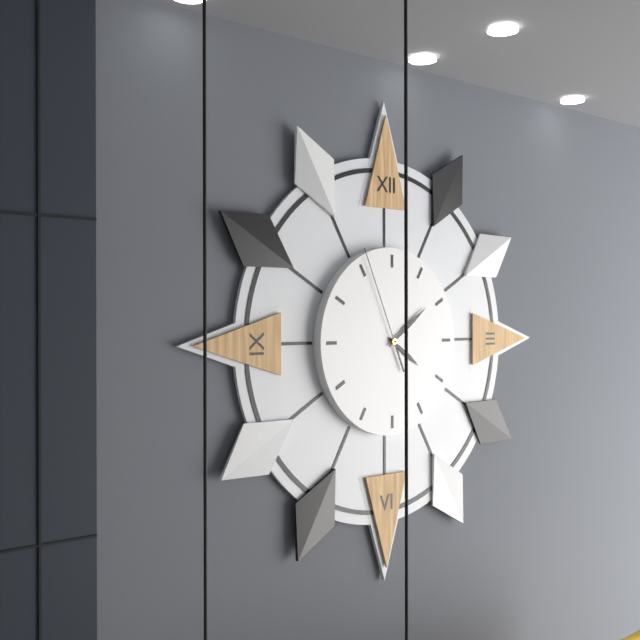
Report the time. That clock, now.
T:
4:09:56
